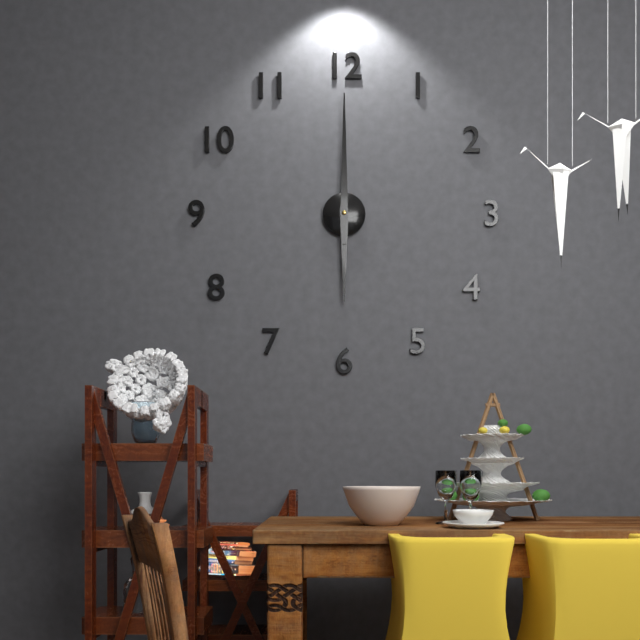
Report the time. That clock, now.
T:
6:00
